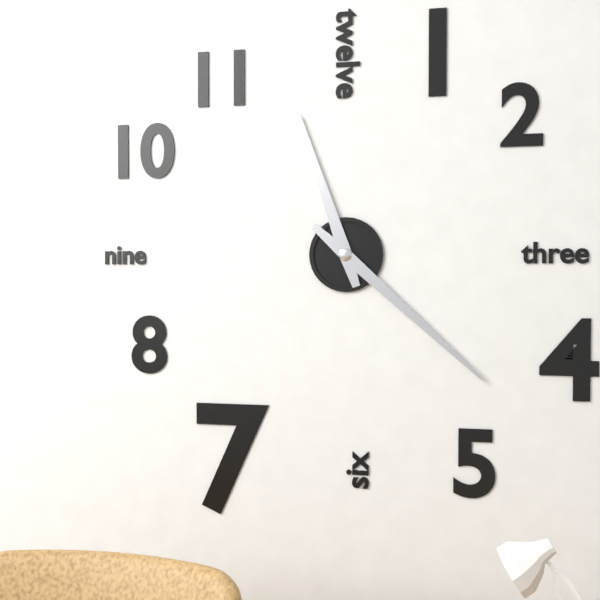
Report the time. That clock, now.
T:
11:22
